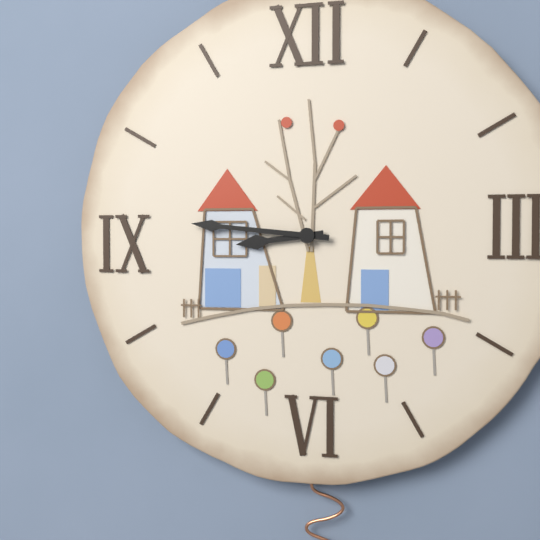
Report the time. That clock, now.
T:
8:46
